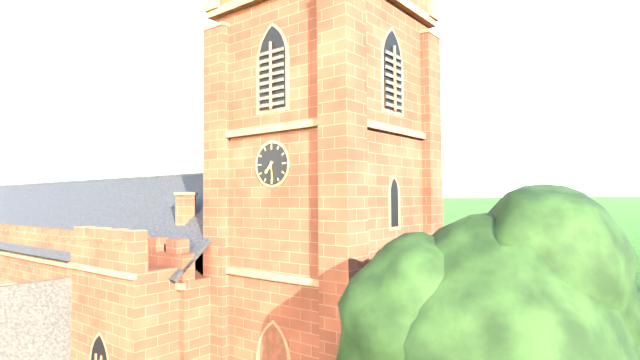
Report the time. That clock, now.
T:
7:29
